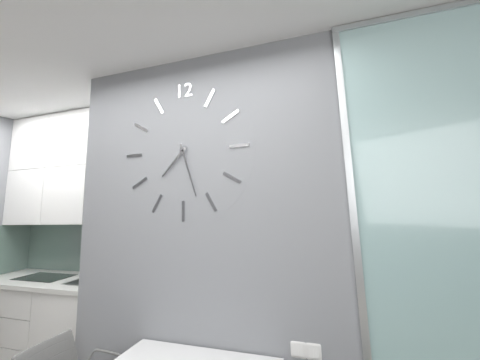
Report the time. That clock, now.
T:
7:27
